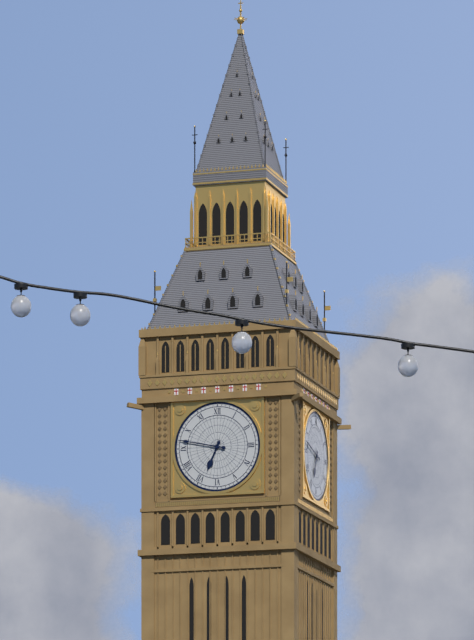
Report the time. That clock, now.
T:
6:47
